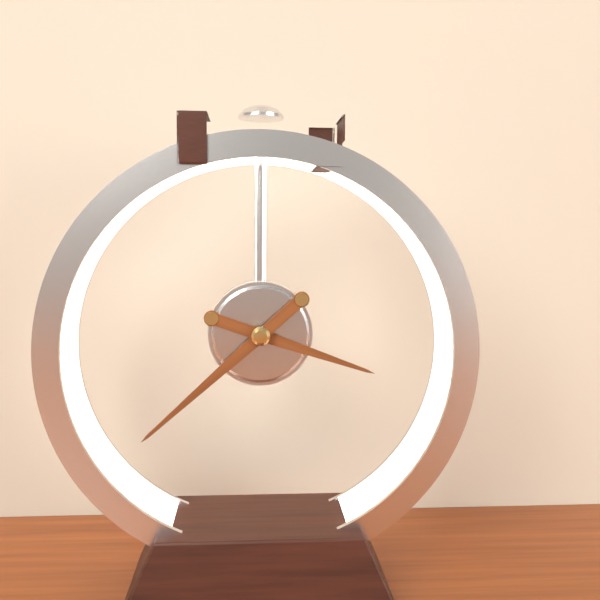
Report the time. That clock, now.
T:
3:38
